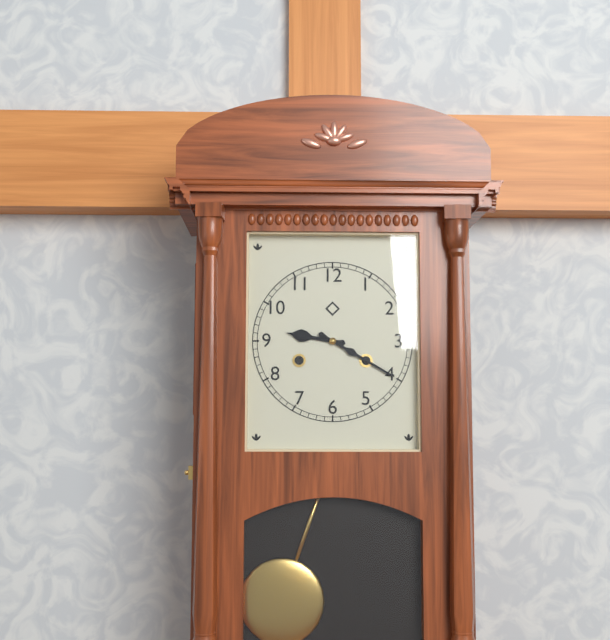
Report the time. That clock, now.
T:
9:20
